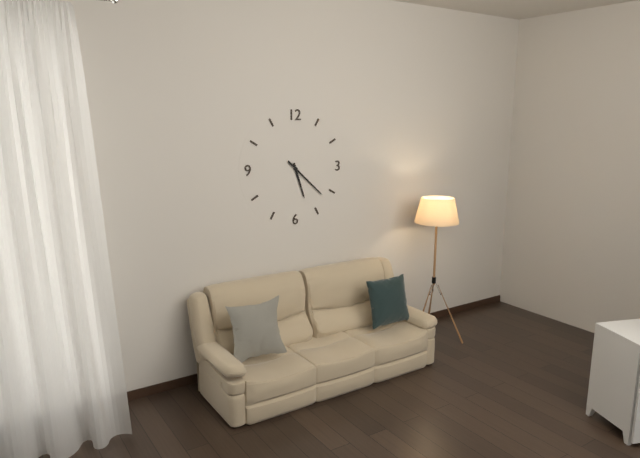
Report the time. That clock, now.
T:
5:22
